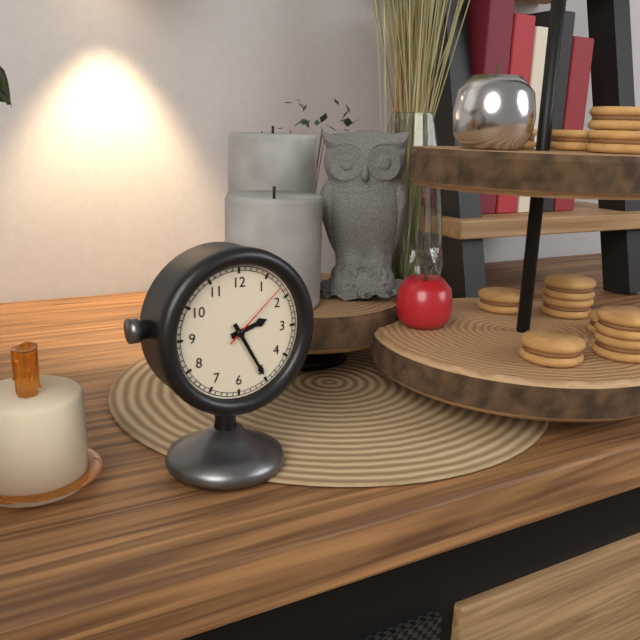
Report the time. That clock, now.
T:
2:25:08
